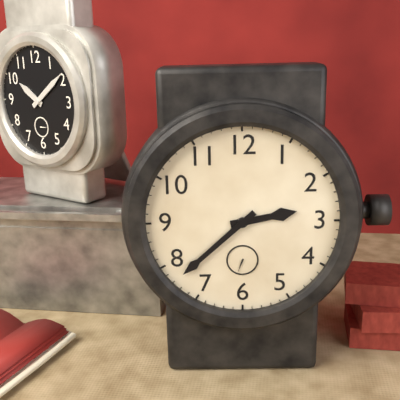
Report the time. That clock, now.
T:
2:38
